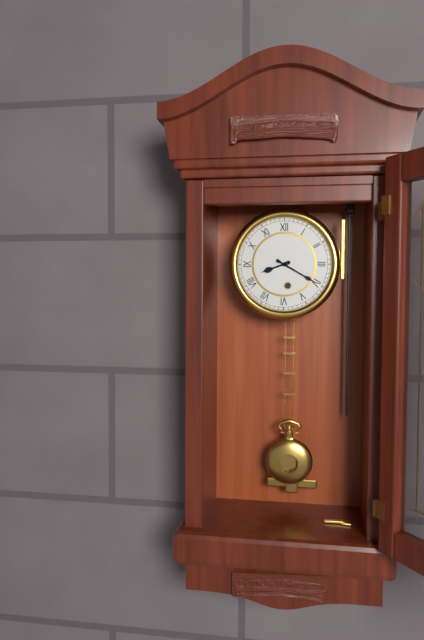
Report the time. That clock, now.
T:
8:20
